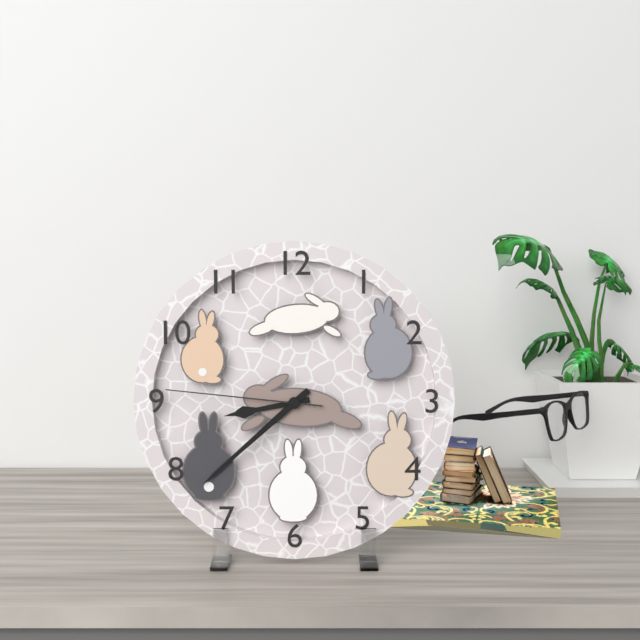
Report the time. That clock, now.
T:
8:38:46
